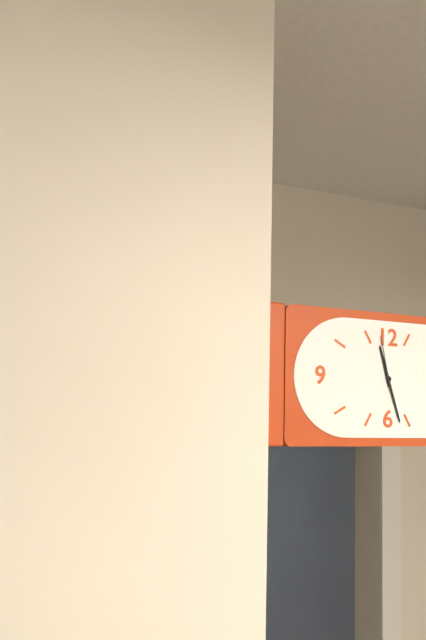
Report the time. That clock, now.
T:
11:27:58
